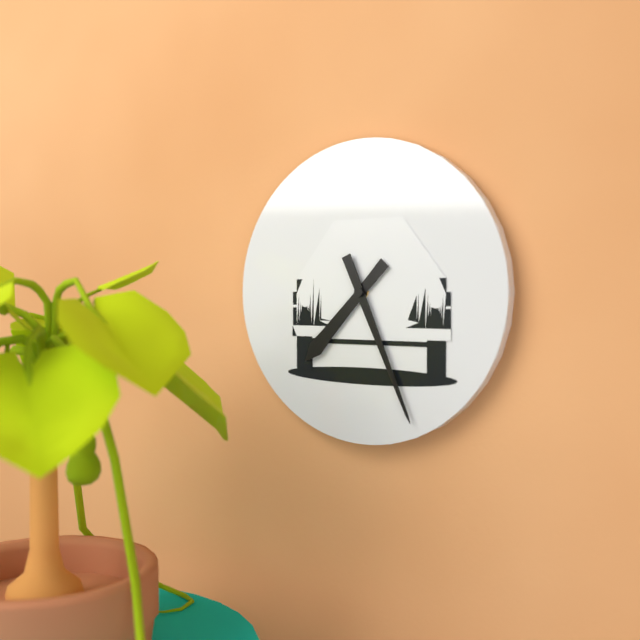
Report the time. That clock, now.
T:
7:26
